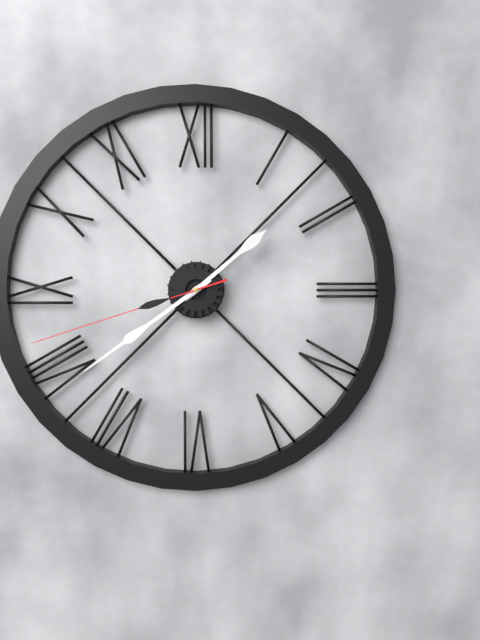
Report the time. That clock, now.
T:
1:39:42
